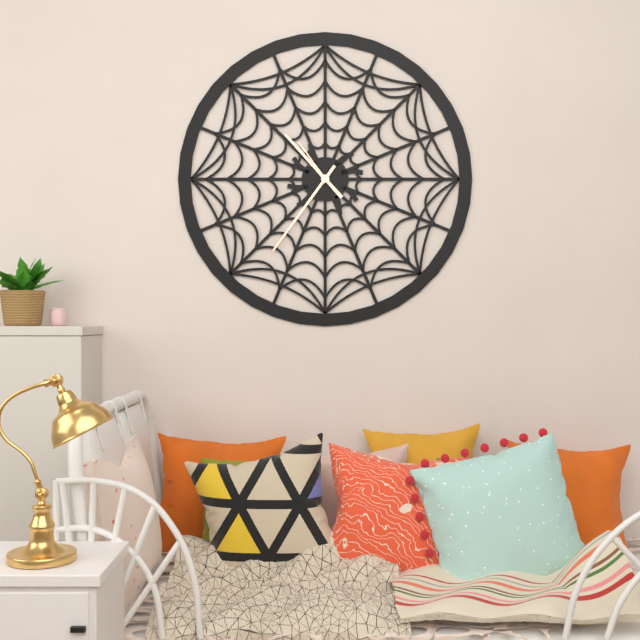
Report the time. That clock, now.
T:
10:36:54
